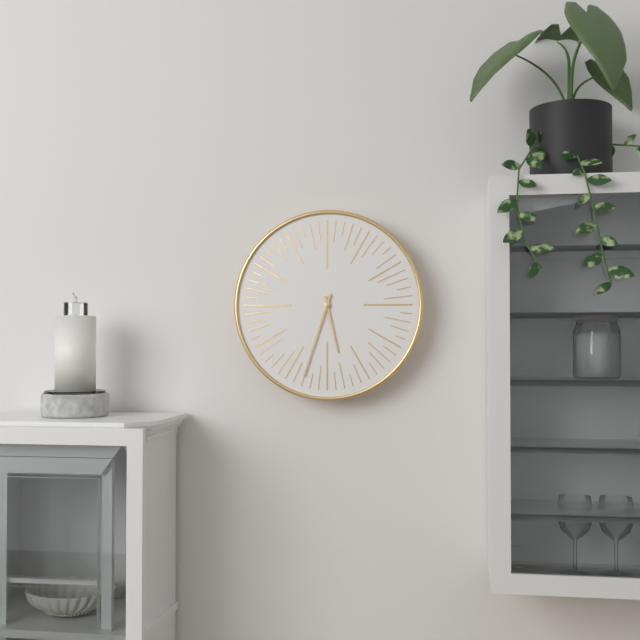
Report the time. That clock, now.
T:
5:33
